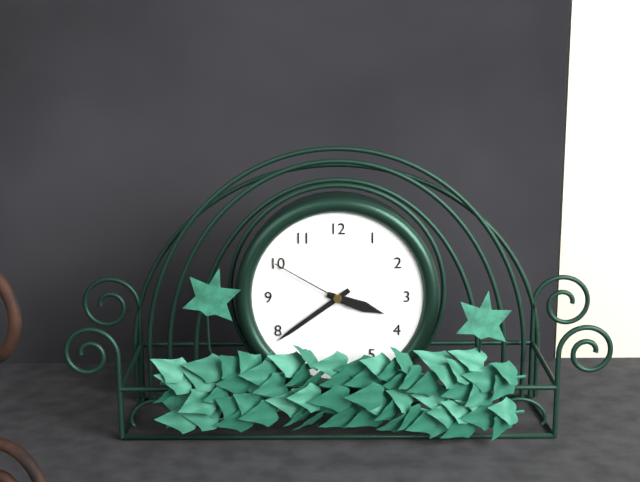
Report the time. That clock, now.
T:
3:39:50
